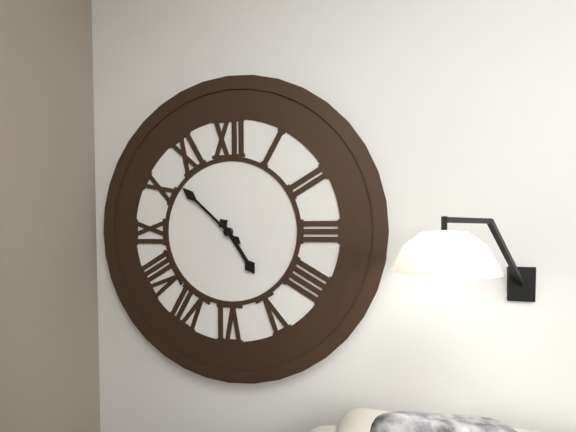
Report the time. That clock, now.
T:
4:52
